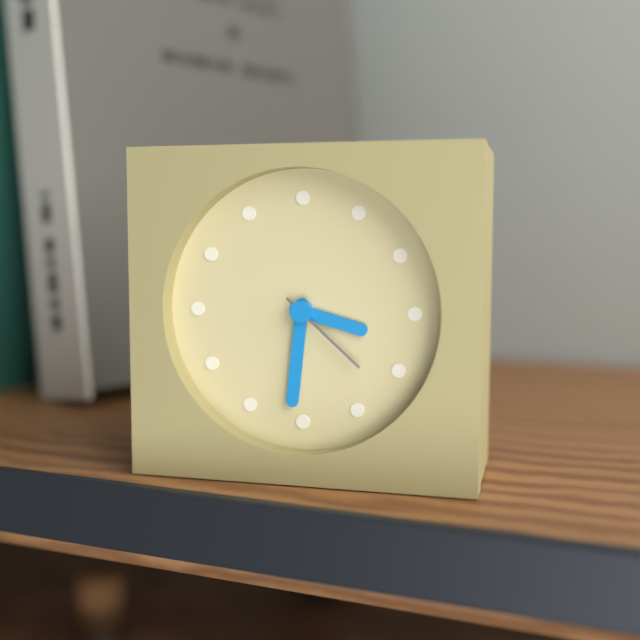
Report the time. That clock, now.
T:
3:31:22
